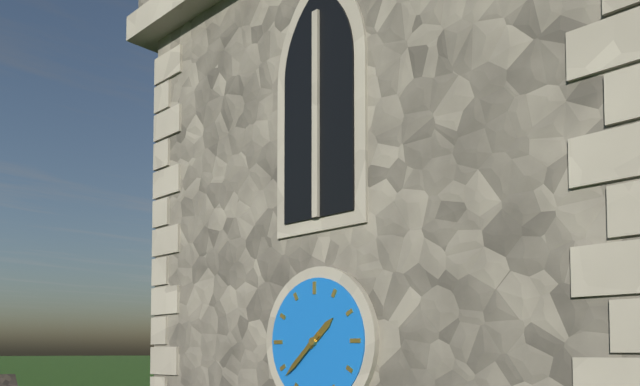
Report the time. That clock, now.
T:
1:38
